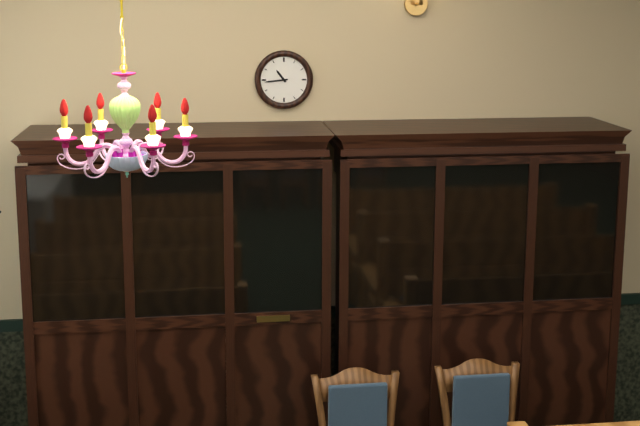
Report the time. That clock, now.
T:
10:44
